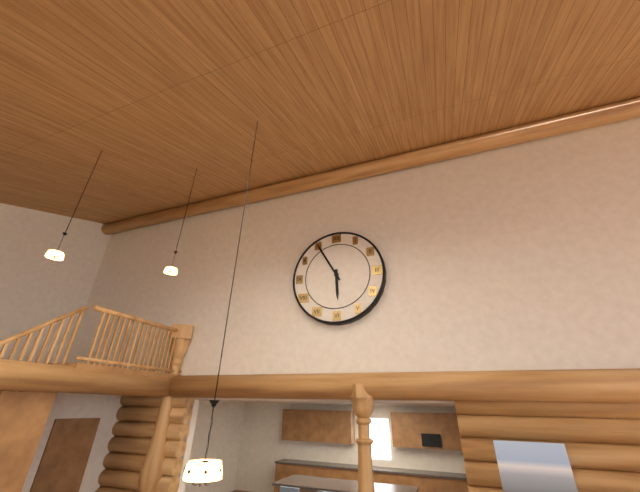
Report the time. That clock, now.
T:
5:55
